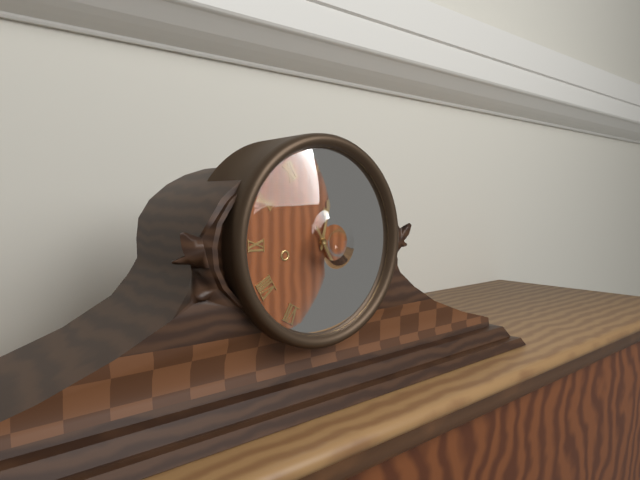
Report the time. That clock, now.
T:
12:25
